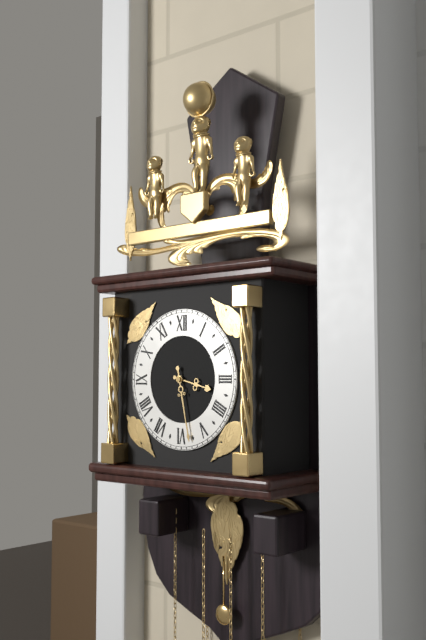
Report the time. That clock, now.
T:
3:28
